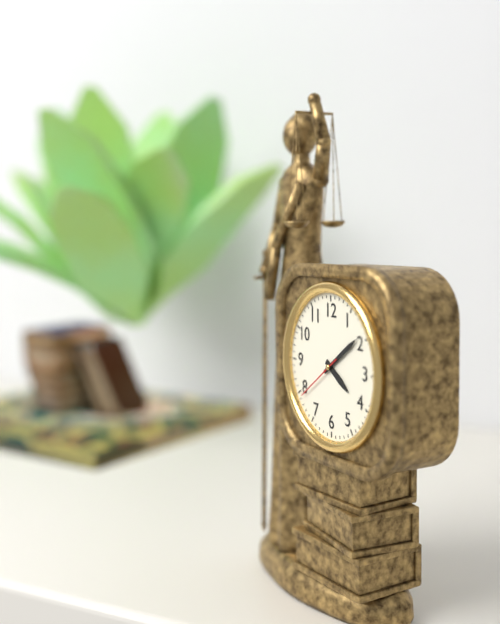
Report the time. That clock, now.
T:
4:09:39
